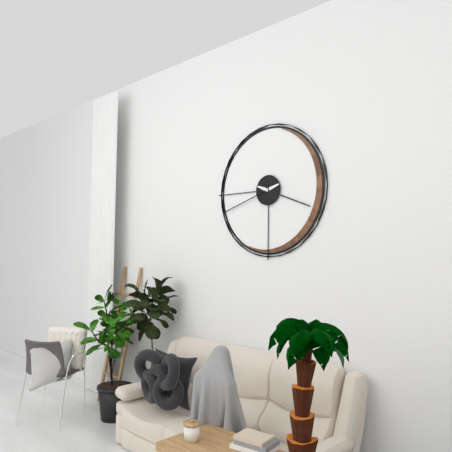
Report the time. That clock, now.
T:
3:42
